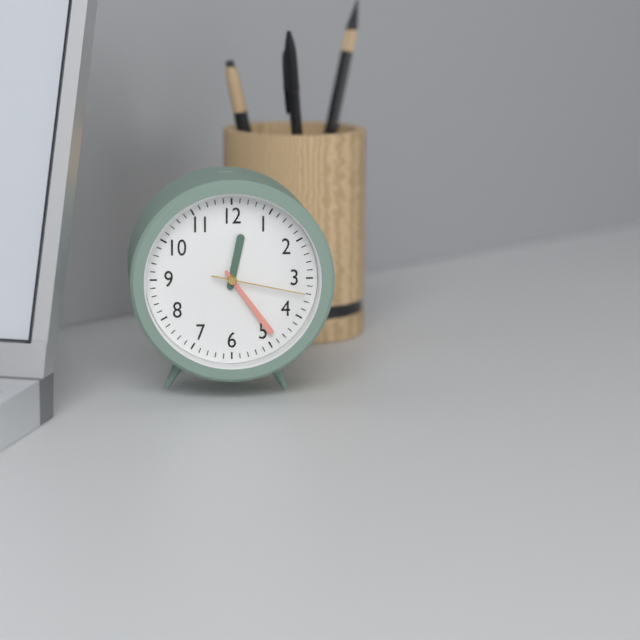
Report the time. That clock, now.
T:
12:24:17
